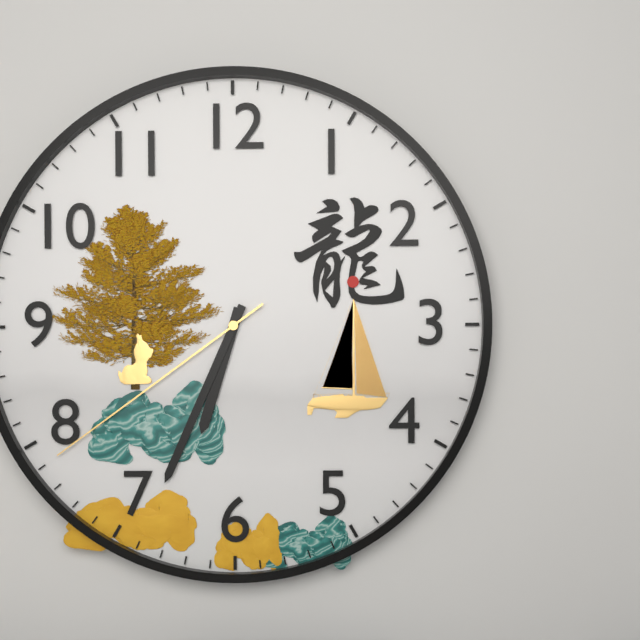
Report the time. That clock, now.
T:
6:34:39
